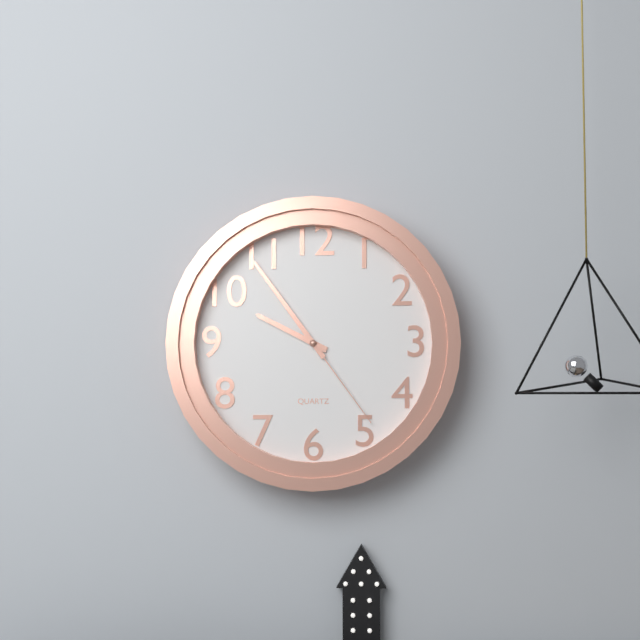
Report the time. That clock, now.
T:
9:54:24
